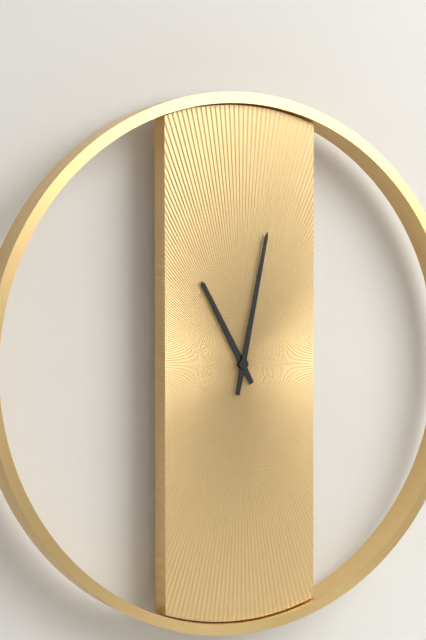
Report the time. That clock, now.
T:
11:02
